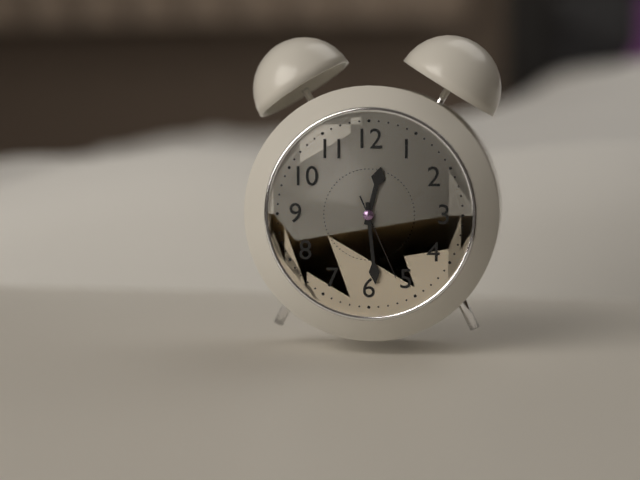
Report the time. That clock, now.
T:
12:29:26
